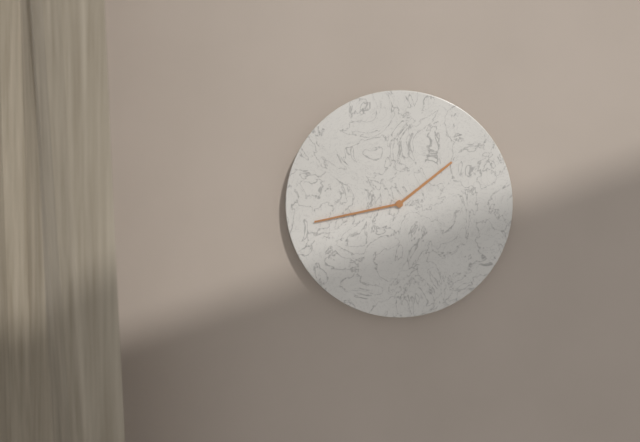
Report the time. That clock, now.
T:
1:43
